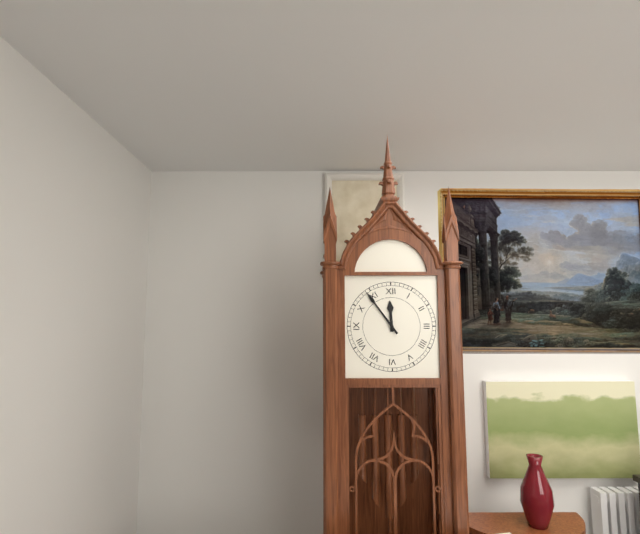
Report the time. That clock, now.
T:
11:54
